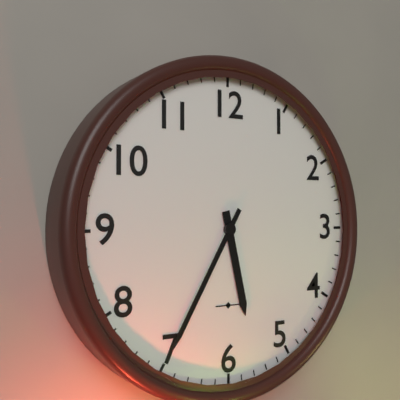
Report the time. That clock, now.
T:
5:35
